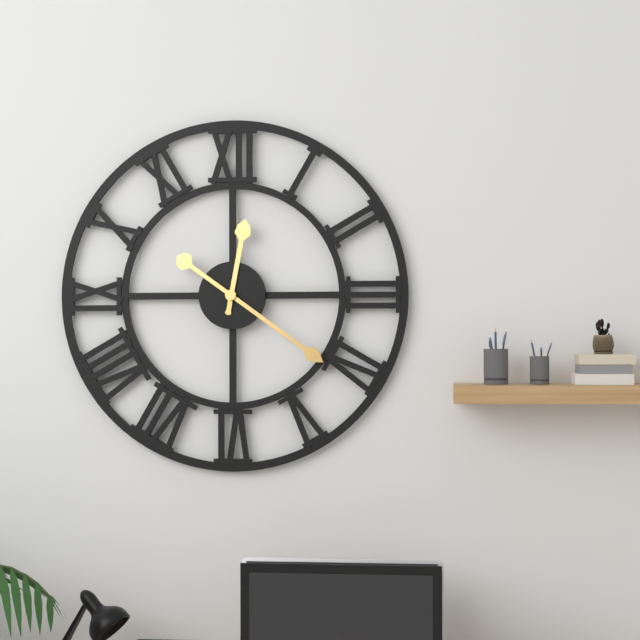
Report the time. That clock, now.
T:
12:21
